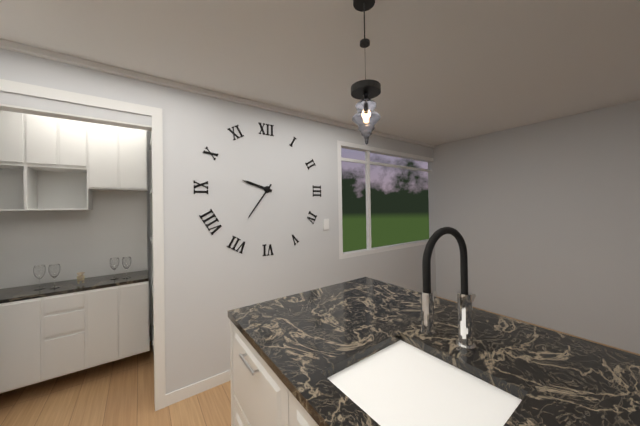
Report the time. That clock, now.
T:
9:36
